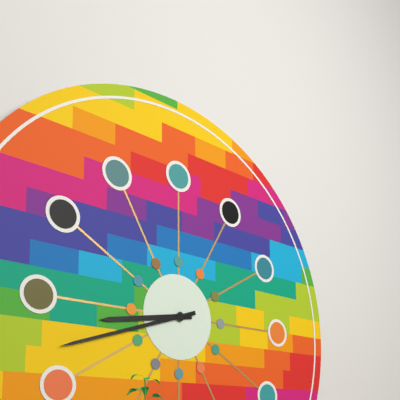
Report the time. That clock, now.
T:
8:42
